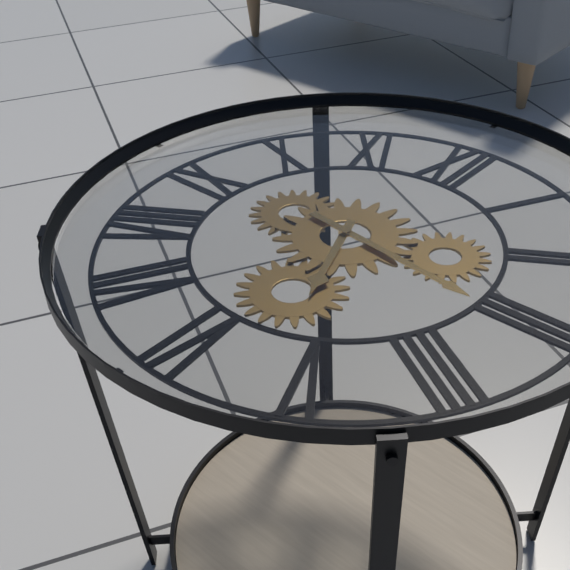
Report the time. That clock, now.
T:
5:16
